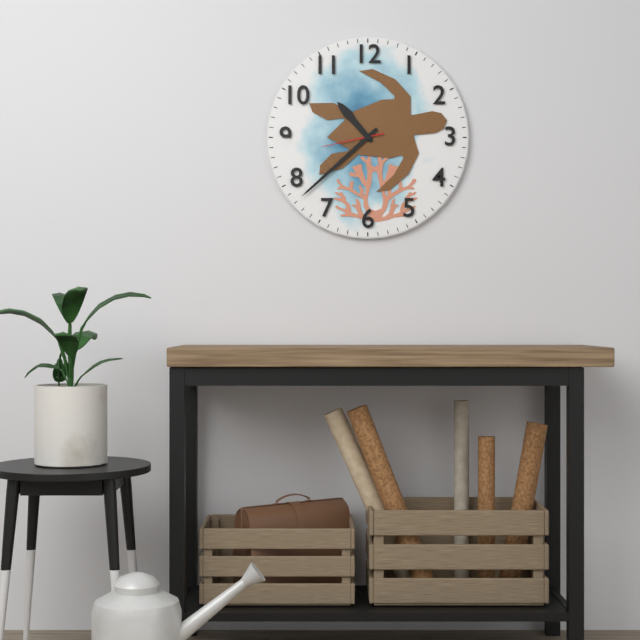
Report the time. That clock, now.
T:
10:38:43
